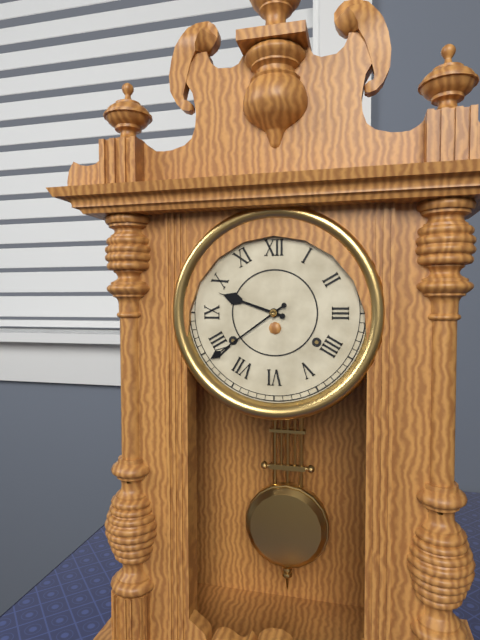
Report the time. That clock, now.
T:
9:39
